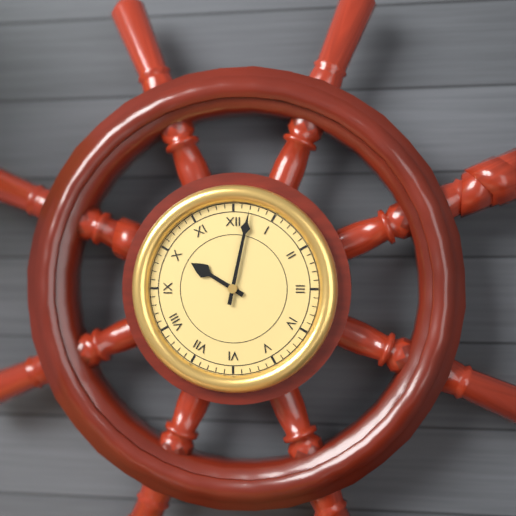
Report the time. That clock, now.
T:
10:02
